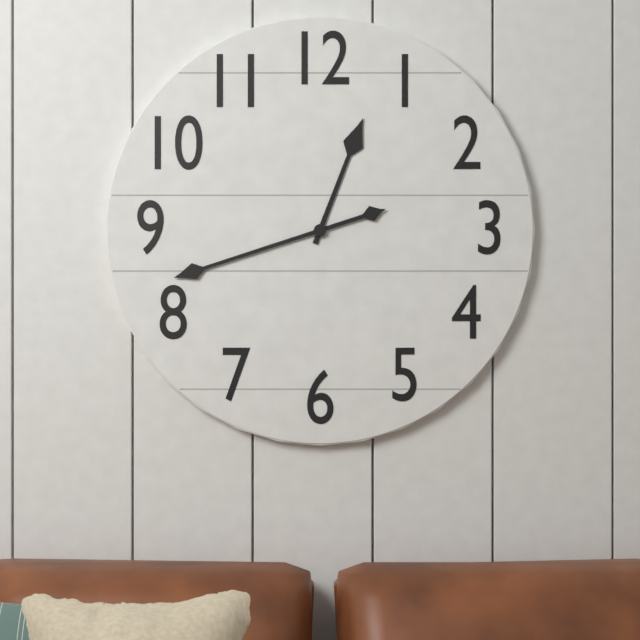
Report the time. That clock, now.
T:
12:42
